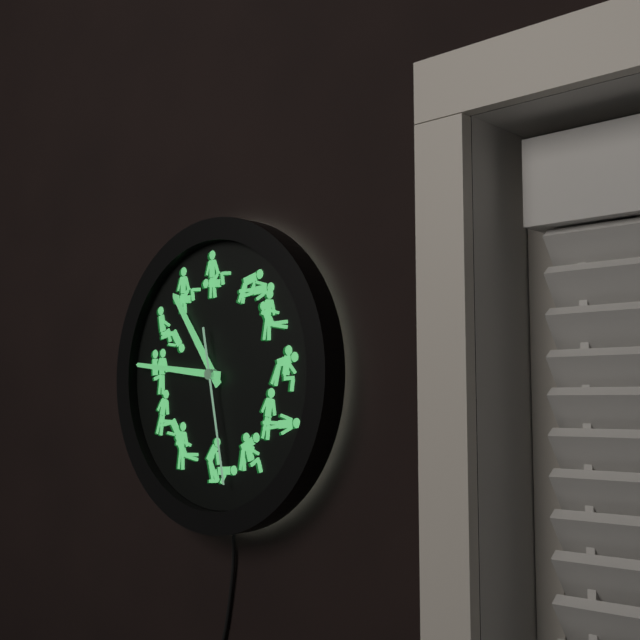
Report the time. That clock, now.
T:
10:46:28
